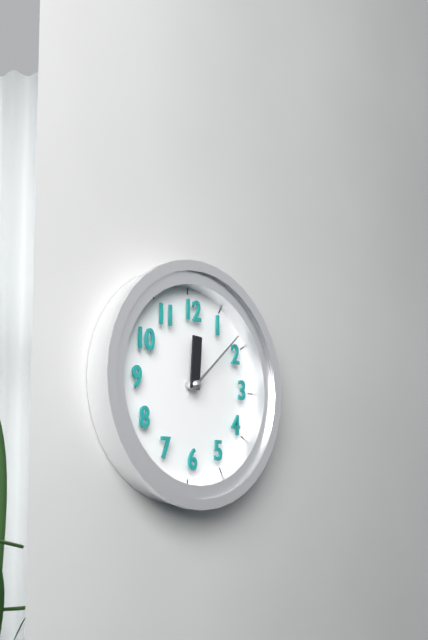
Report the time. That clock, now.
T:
12:08
